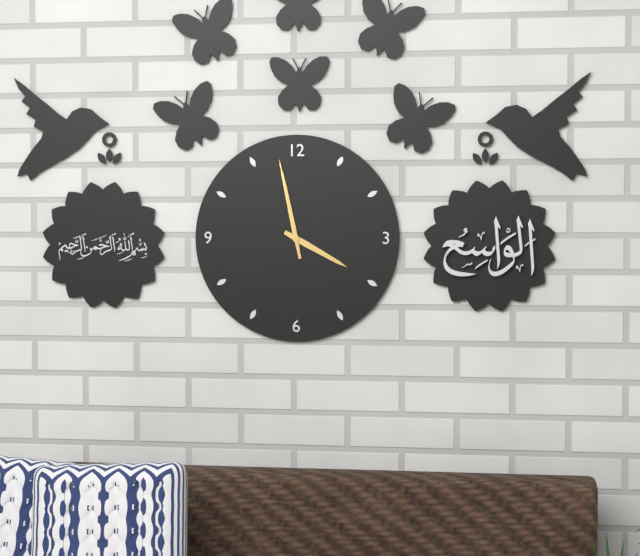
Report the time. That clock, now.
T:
3:58:58
